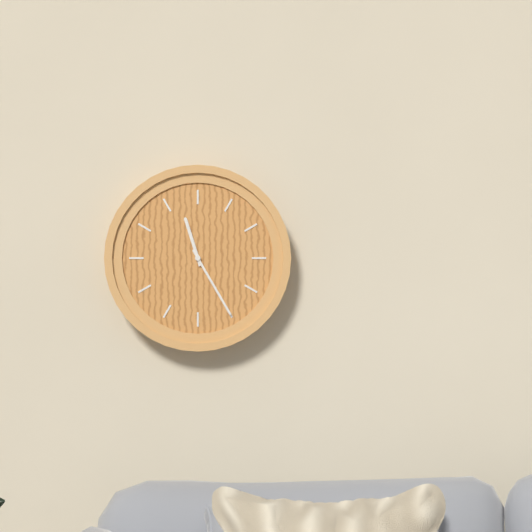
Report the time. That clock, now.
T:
11:25
